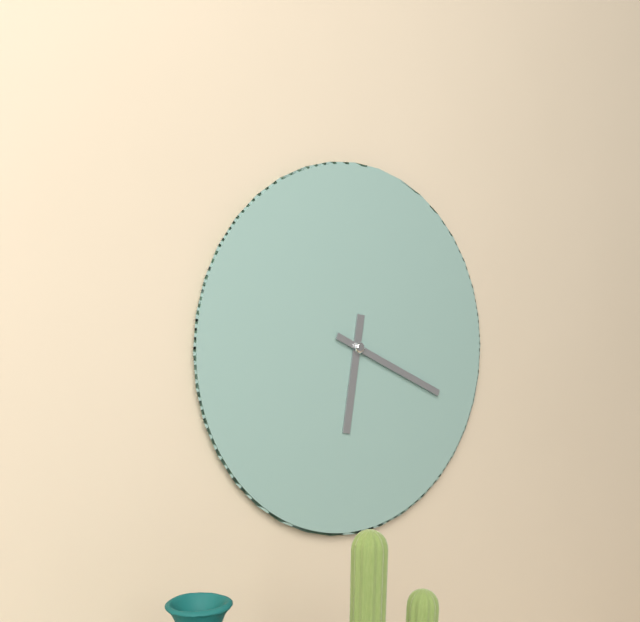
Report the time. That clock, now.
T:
6:19
